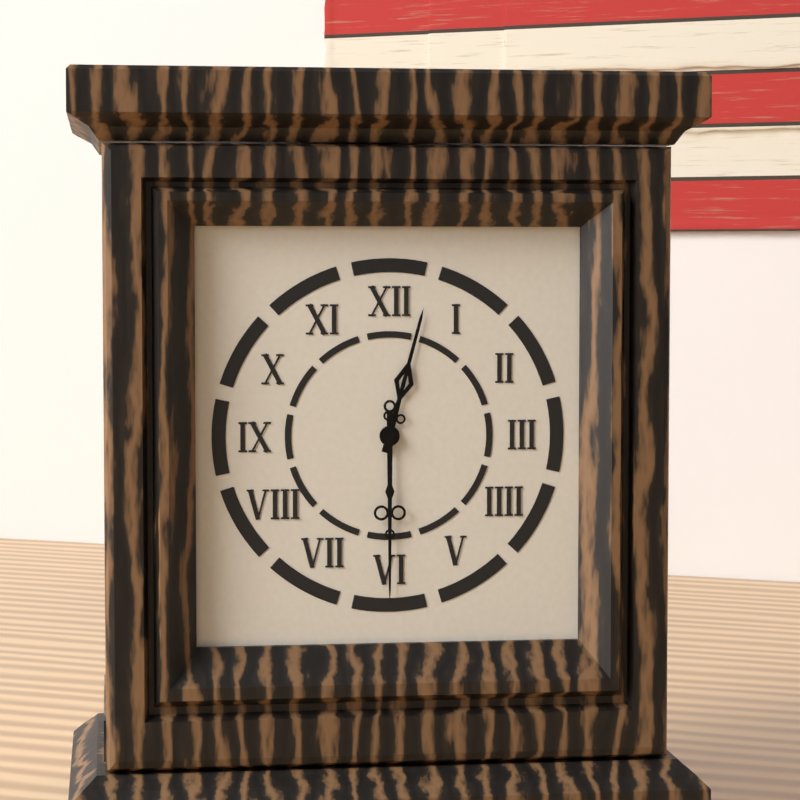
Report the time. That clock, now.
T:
12:30
